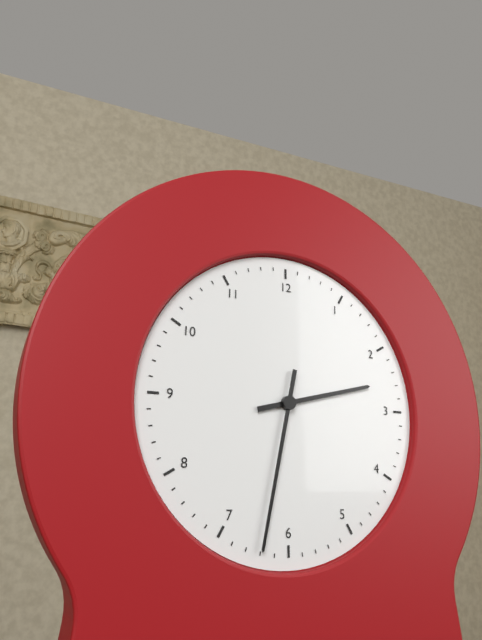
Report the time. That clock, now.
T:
2:32
